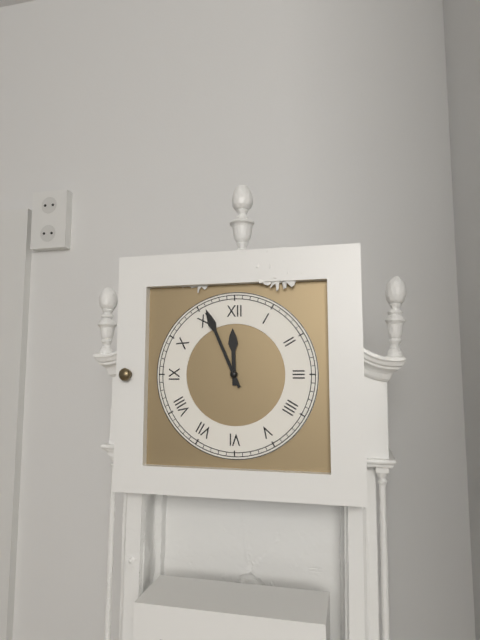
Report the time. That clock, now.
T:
11:56
